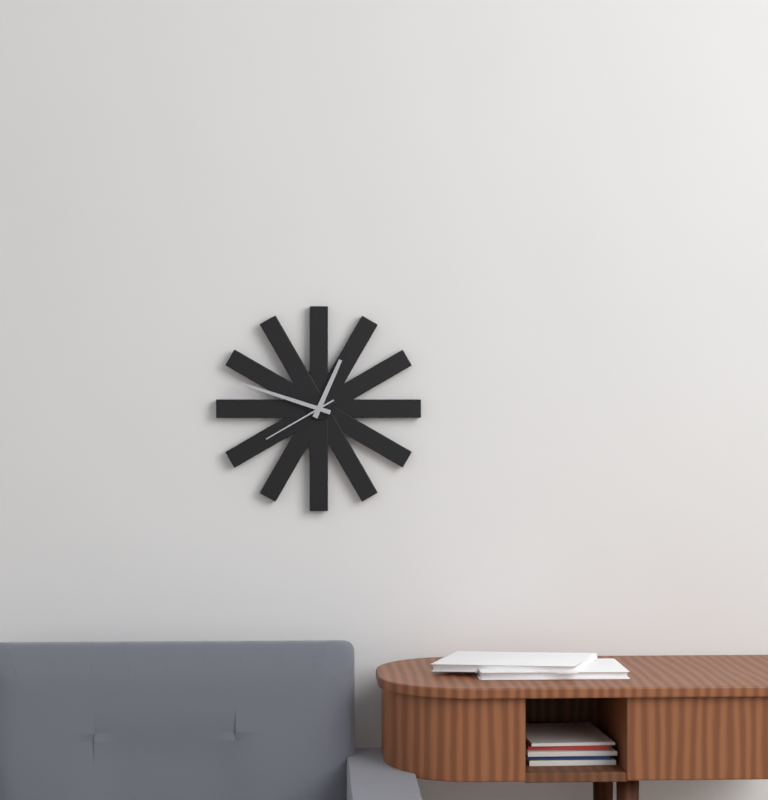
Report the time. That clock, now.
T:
12:48:40
